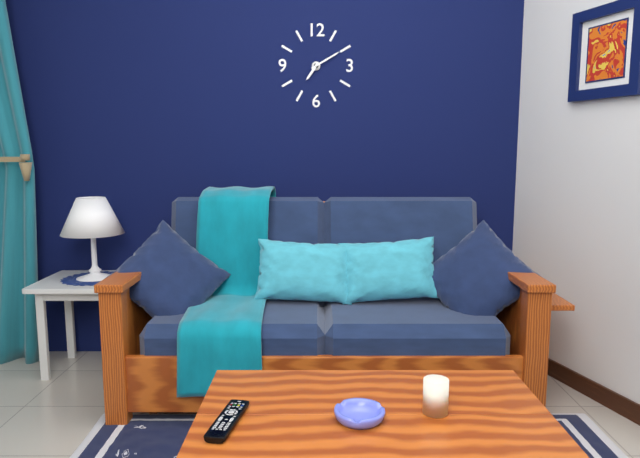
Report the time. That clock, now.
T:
7:10
